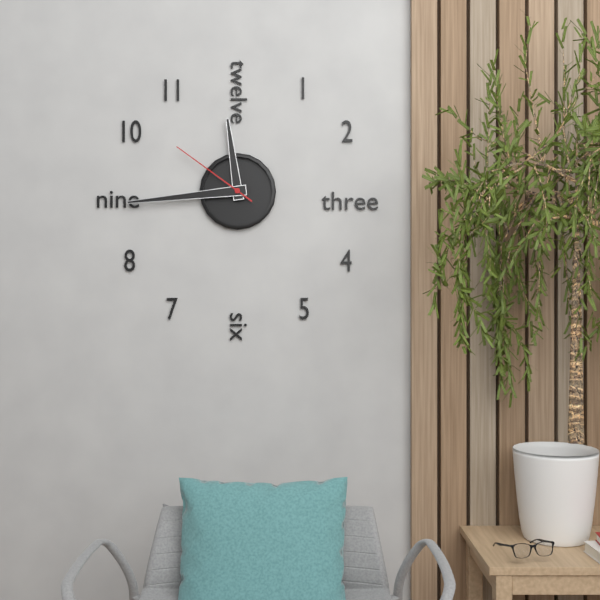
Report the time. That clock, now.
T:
11:44:51
